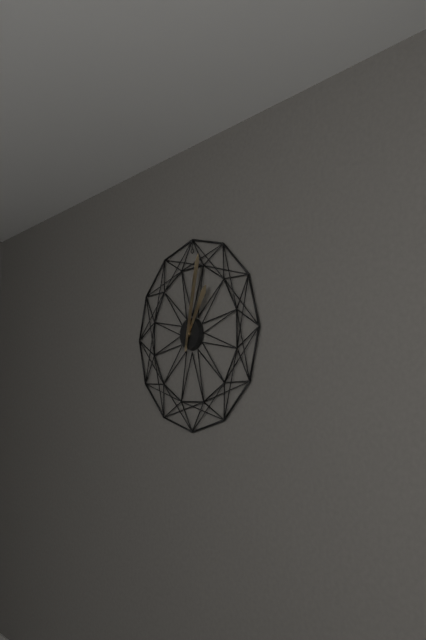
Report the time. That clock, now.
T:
1:02
